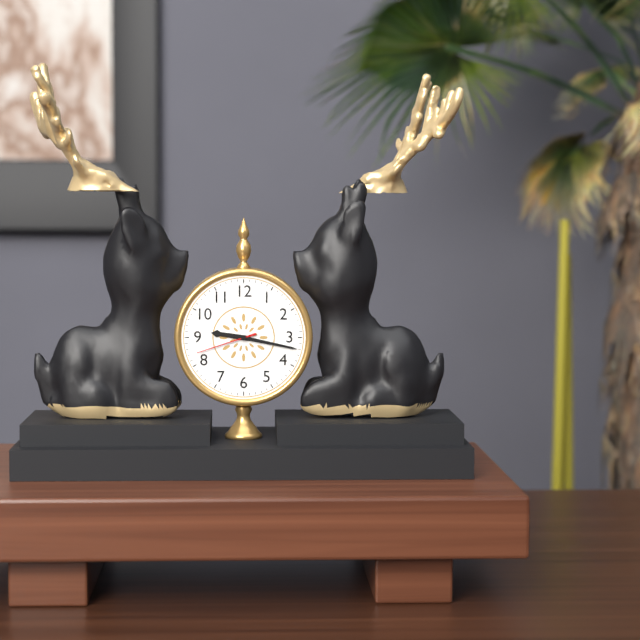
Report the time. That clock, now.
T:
9:17:42
